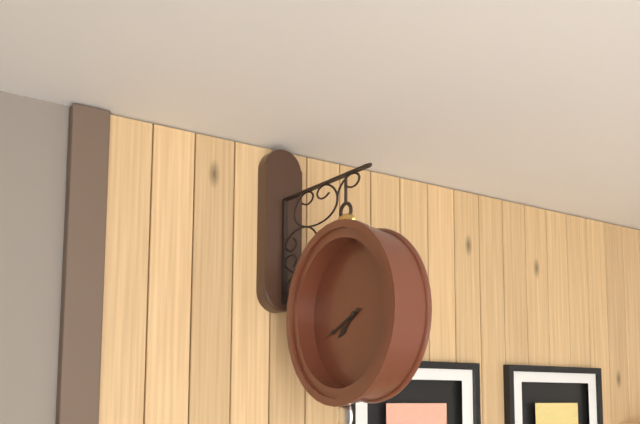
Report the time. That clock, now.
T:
7:41
